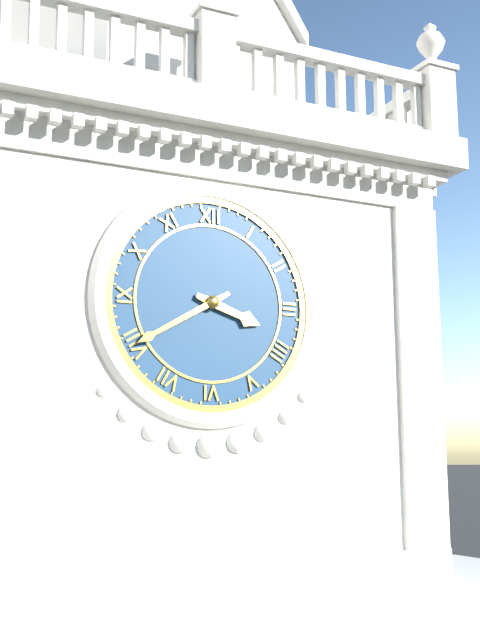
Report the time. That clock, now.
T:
3:40
